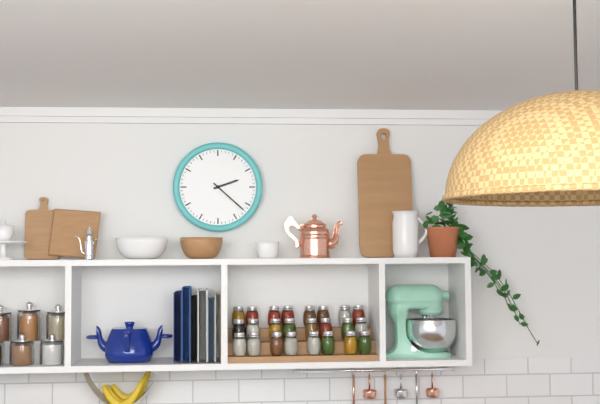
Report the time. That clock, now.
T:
2:22
